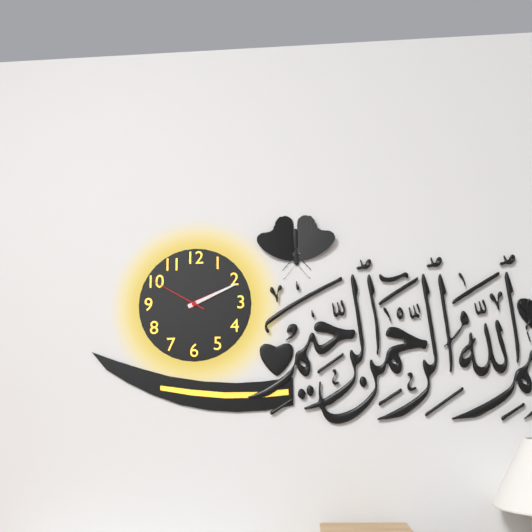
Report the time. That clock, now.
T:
2:11:50
